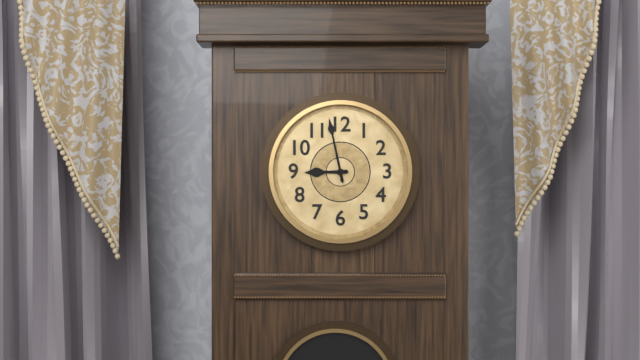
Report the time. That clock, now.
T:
8:58
